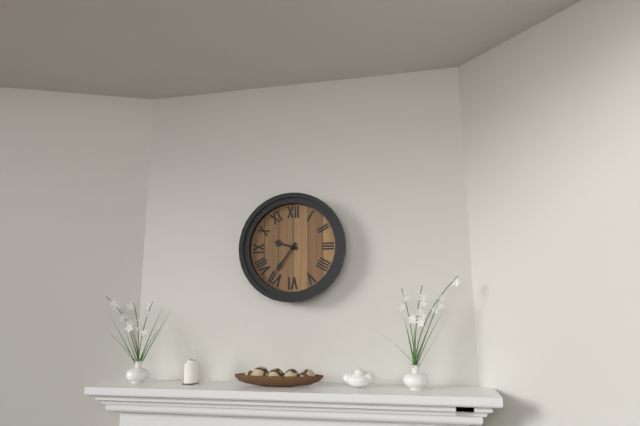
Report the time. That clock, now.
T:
9:36
